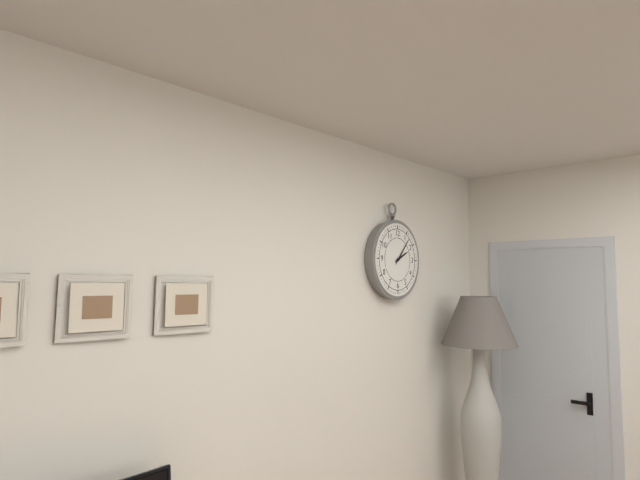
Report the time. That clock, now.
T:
2:07
